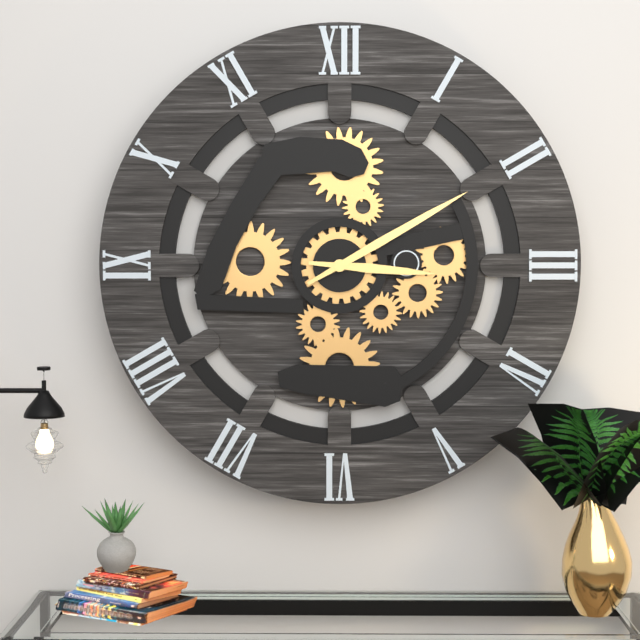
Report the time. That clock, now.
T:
3:10
